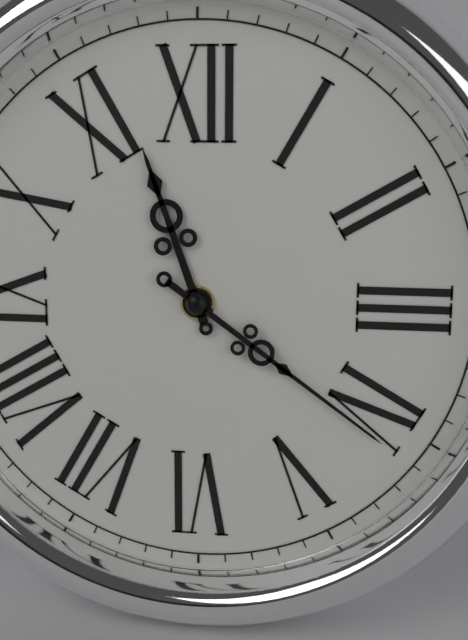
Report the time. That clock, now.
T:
11:21
